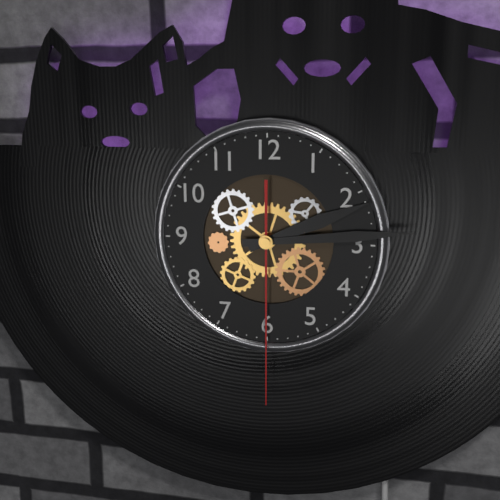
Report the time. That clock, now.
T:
2:14:30
